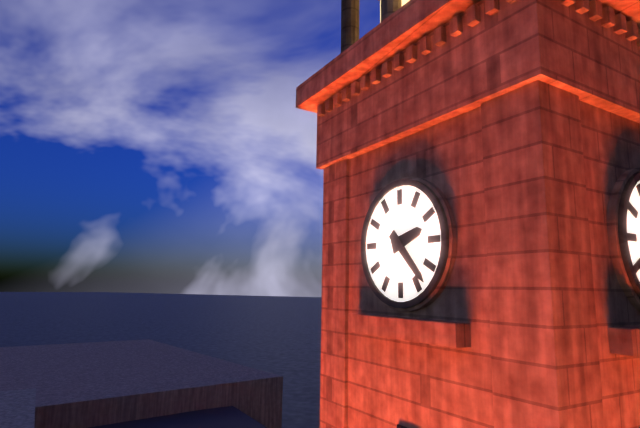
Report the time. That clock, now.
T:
2:23
